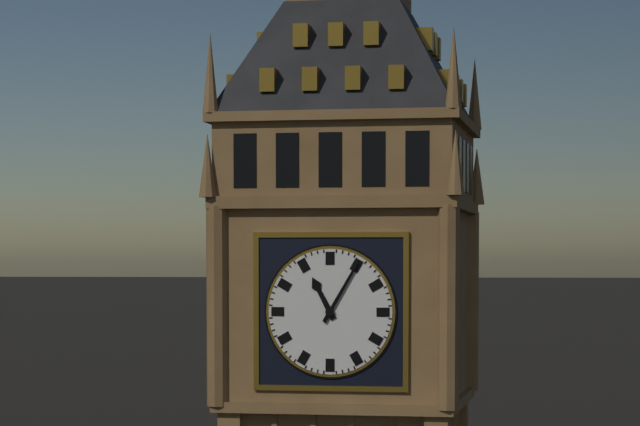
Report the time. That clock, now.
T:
11:05
